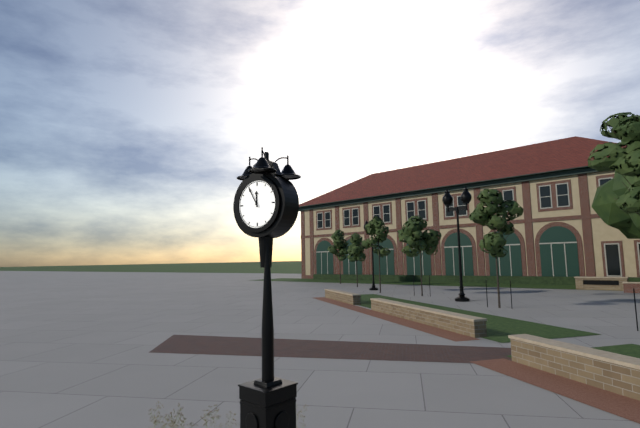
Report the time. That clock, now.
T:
11:55
